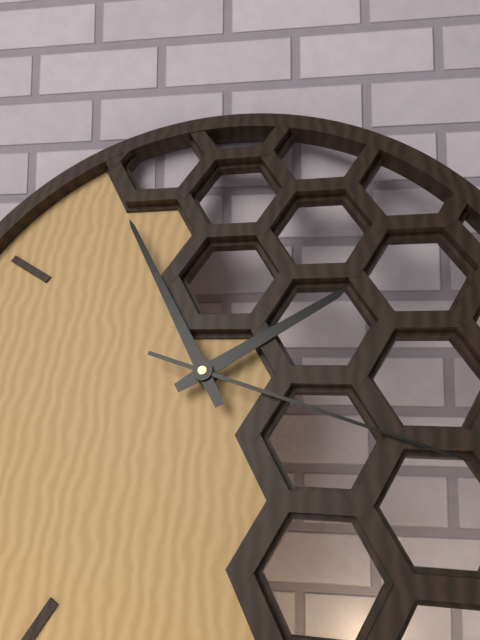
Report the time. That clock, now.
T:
1:55:18
